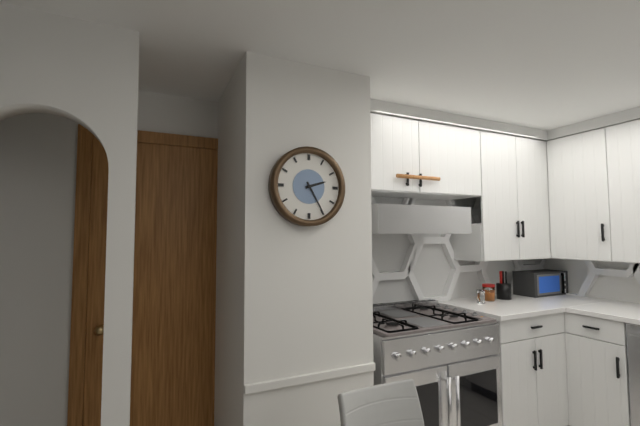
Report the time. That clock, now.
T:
2:25
